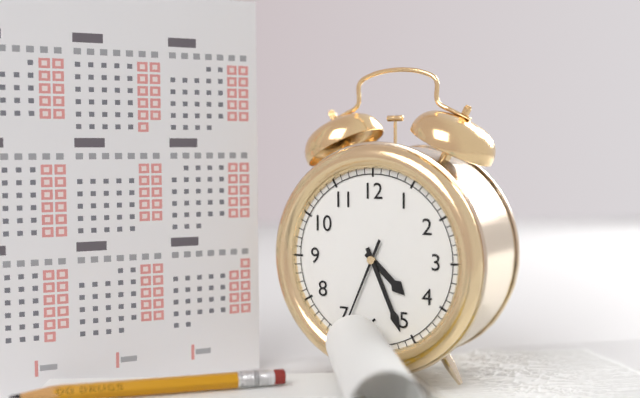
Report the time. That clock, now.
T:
4:26:34
